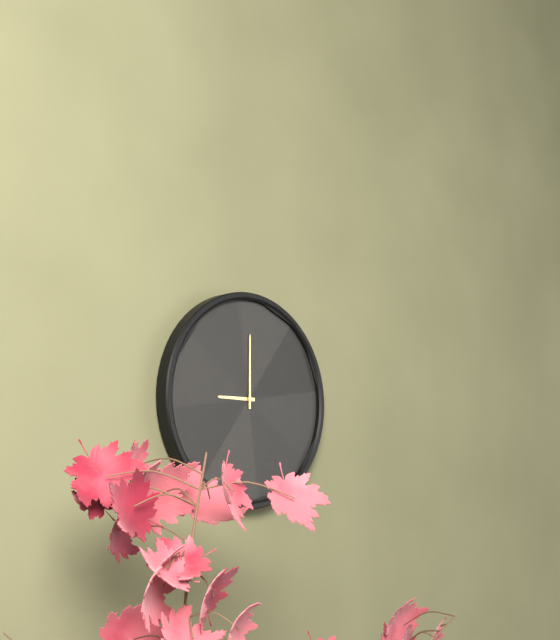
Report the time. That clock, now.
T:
9:00
